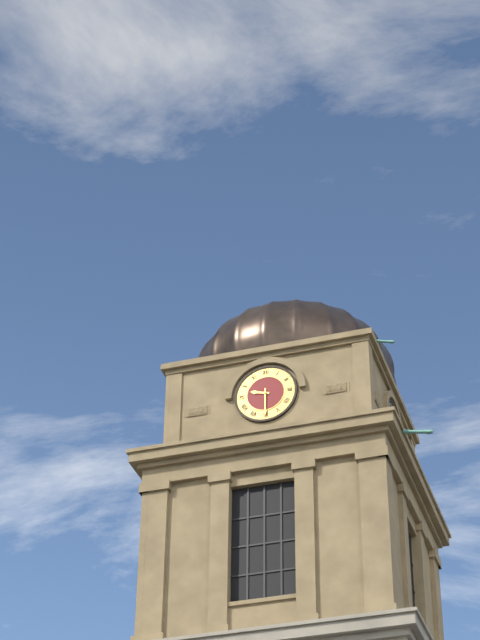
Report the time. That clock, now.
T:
9:30
